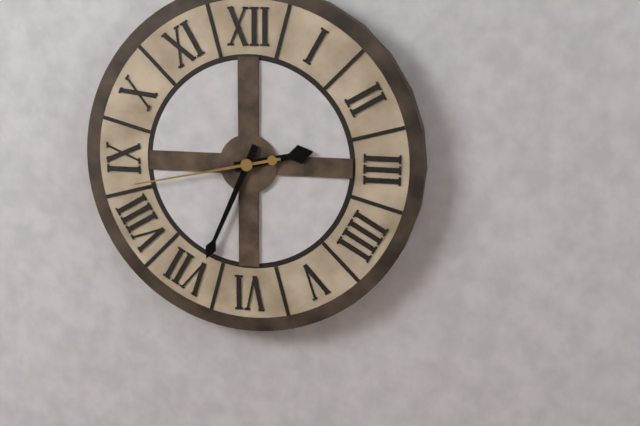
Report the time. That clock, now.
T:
2:34:43
